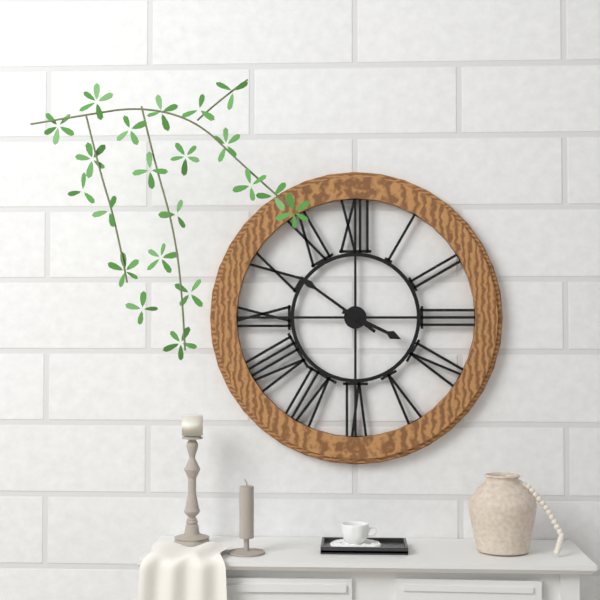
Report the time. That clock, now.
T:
3:51
